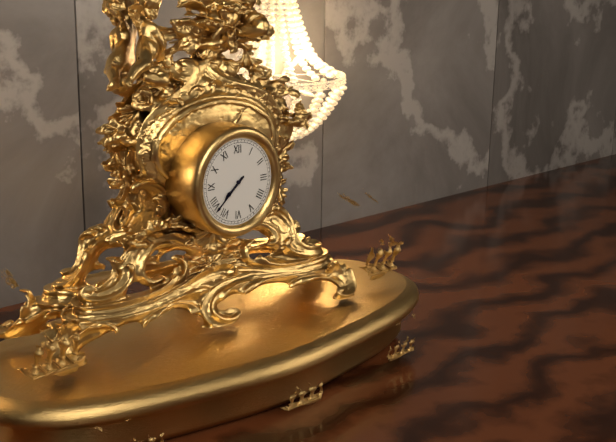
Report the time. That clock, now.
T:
7:38
